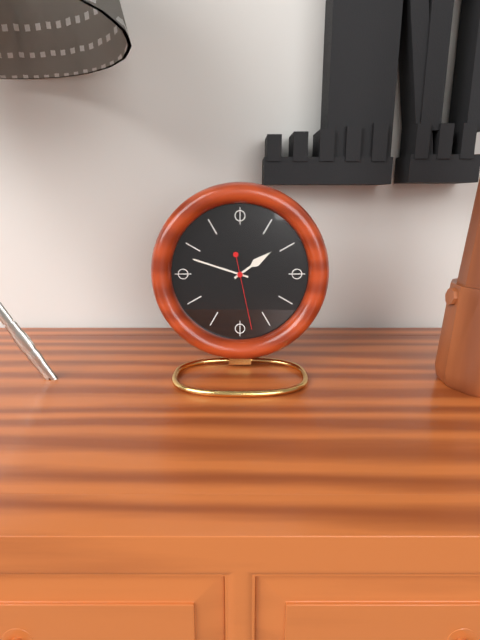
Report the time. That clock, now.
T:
1:48:28
